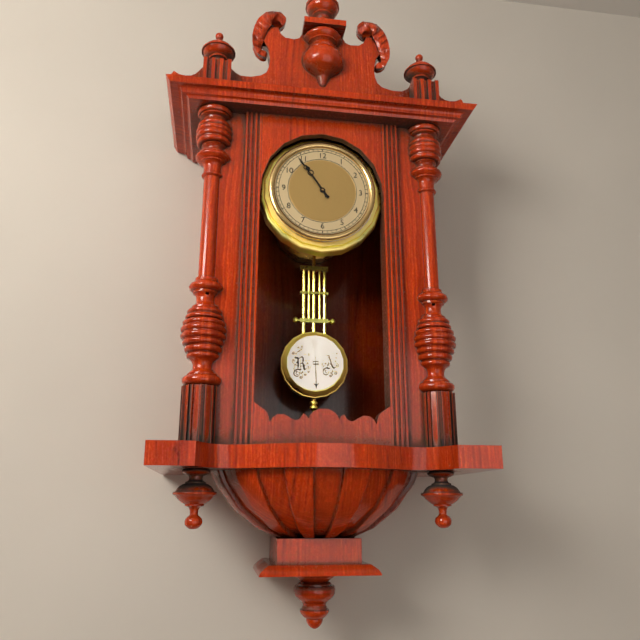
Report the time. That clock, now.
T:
10:54
